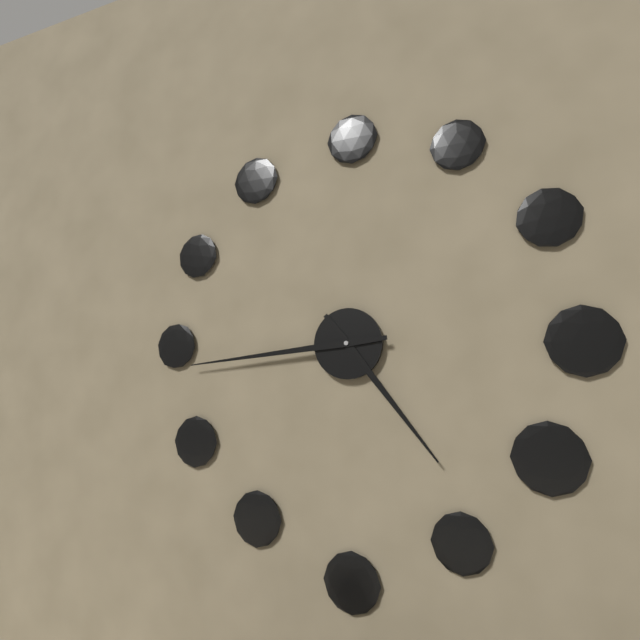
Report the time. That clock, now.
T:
4:44
